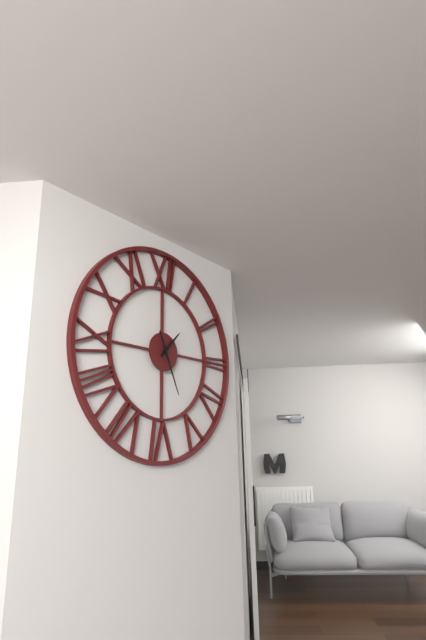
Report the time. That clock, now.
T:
1:26
